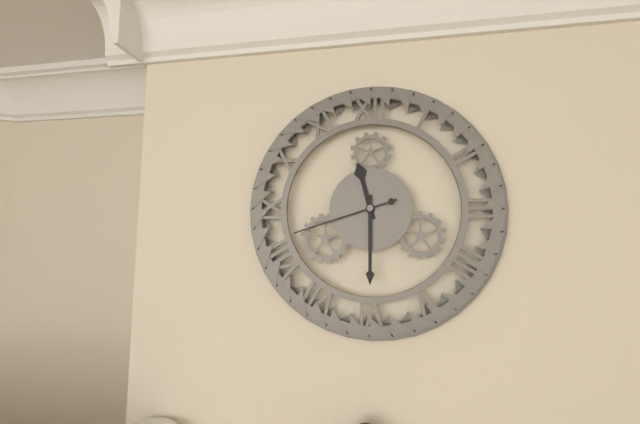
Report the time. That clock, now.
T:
11:30:42
